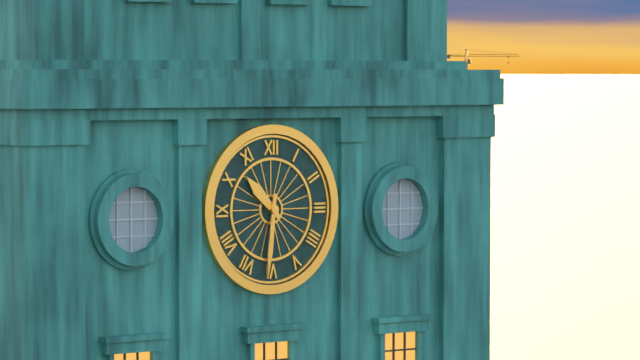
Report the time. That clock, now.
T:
10:31
